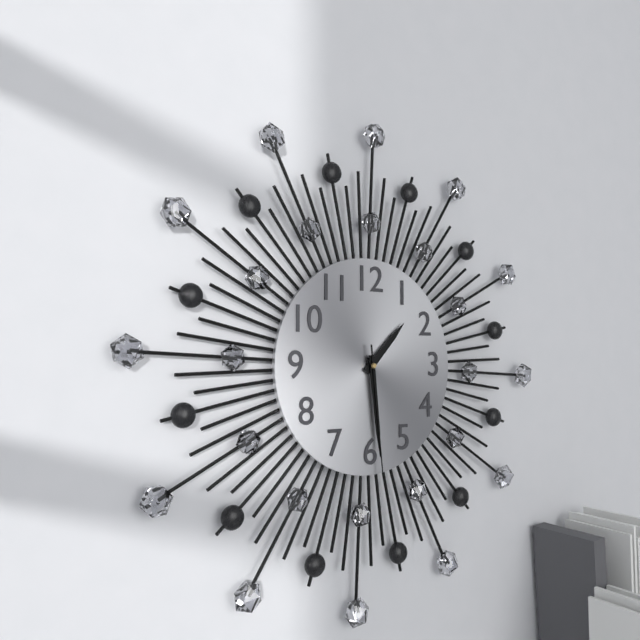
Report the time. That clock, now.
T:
1:29:29
